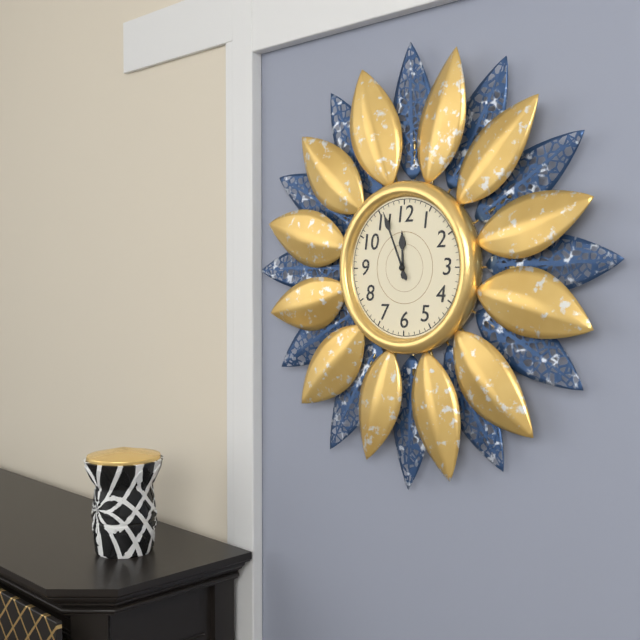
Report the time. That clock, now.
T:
11:56
